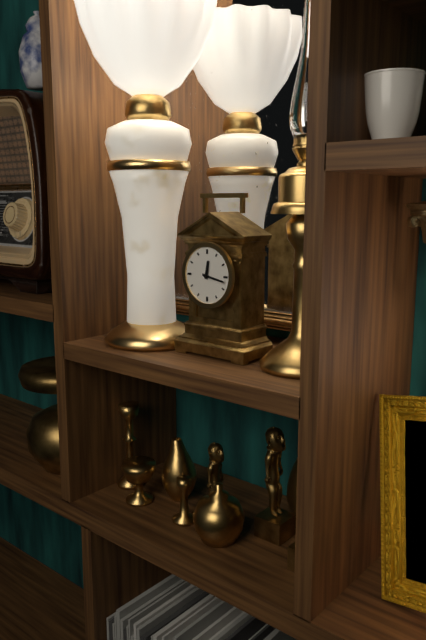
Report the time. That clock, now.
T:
12:17
